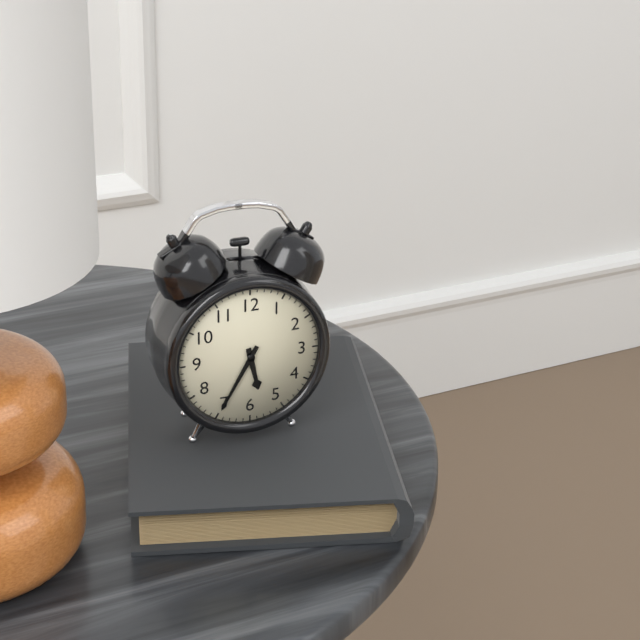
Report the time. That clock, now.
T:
5:35
